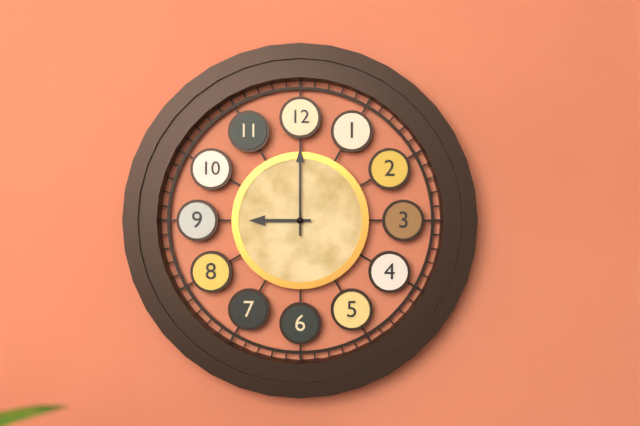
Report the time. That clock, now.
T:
9:00
